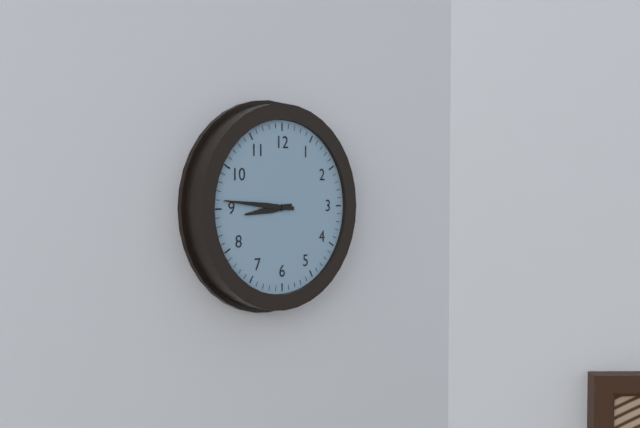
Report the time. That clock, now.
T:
8:46
